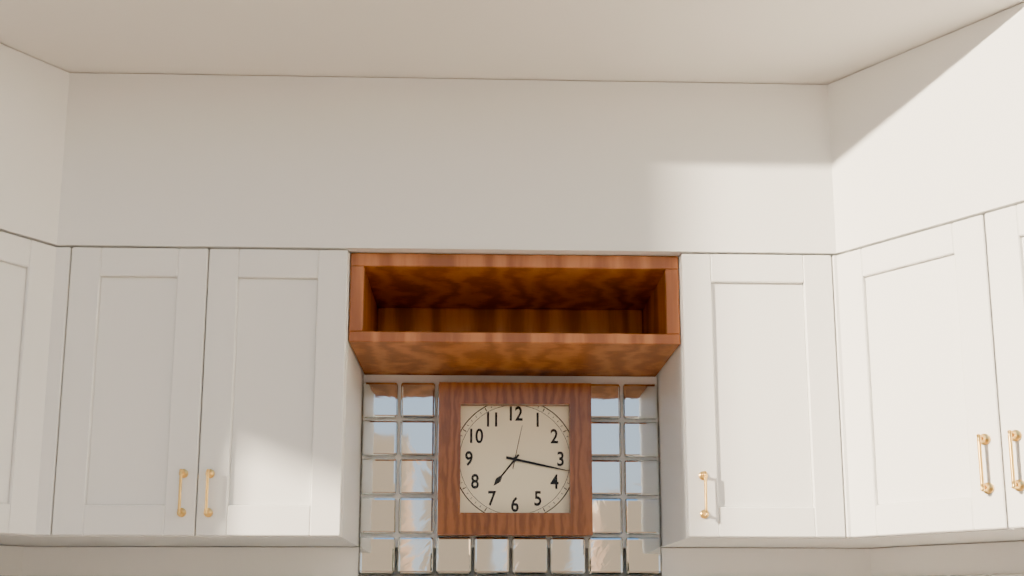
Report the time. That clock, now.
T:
7:17
